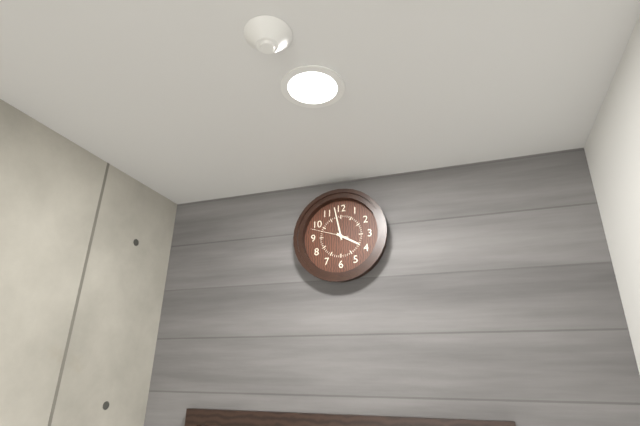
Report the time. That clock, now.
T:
3:58
